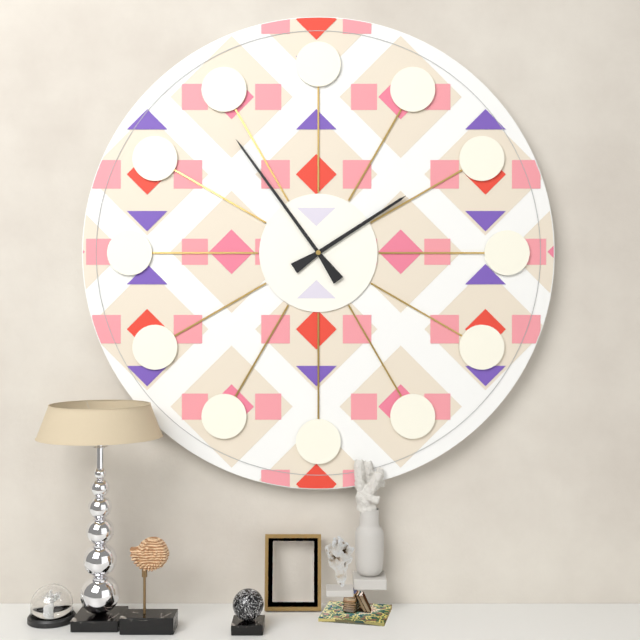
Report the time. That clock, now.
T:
1:54
